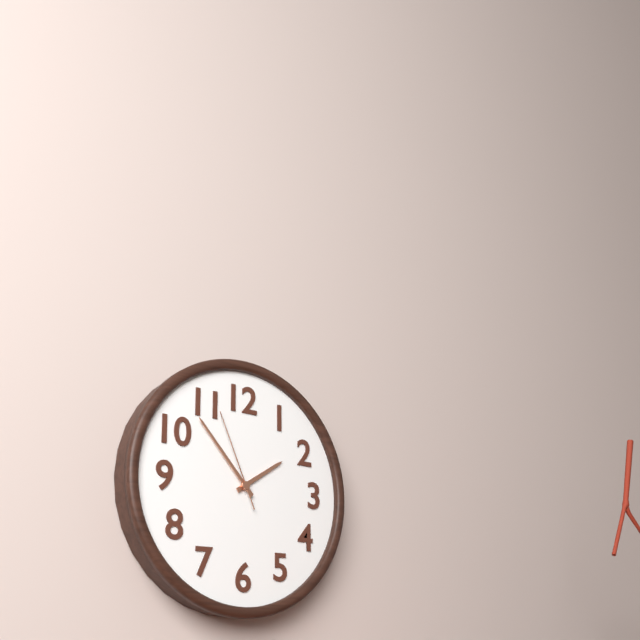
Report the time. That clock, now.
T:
1:53:56
